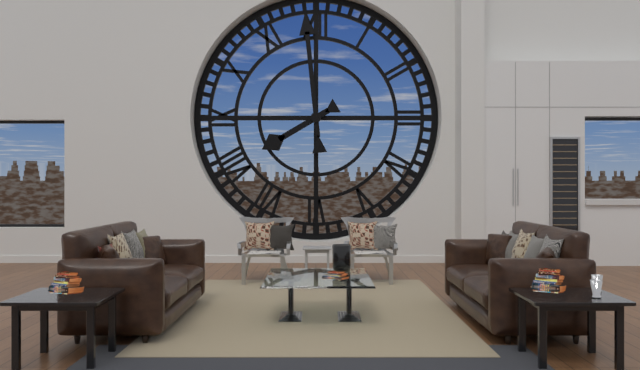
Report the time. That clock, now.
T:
7:59
